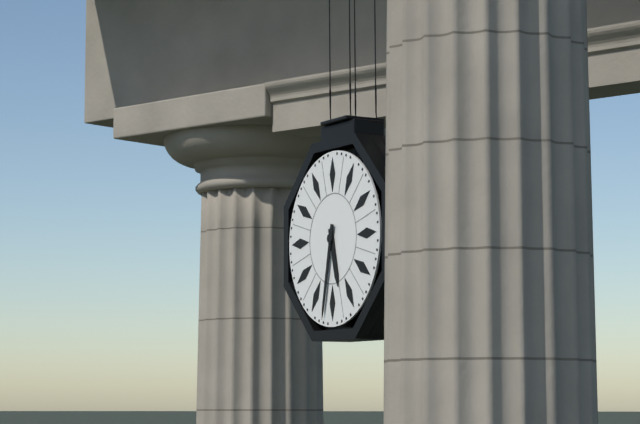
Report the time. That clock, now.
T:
5:32
